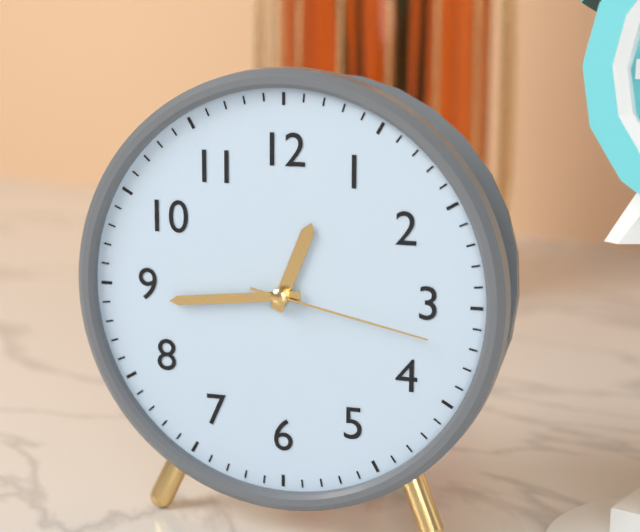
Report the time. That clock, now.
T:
12:44:17
